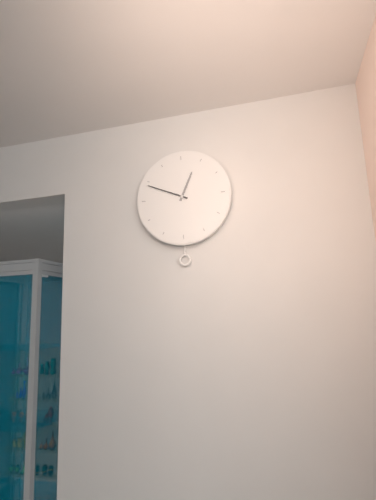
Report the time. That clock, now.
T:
12:49
